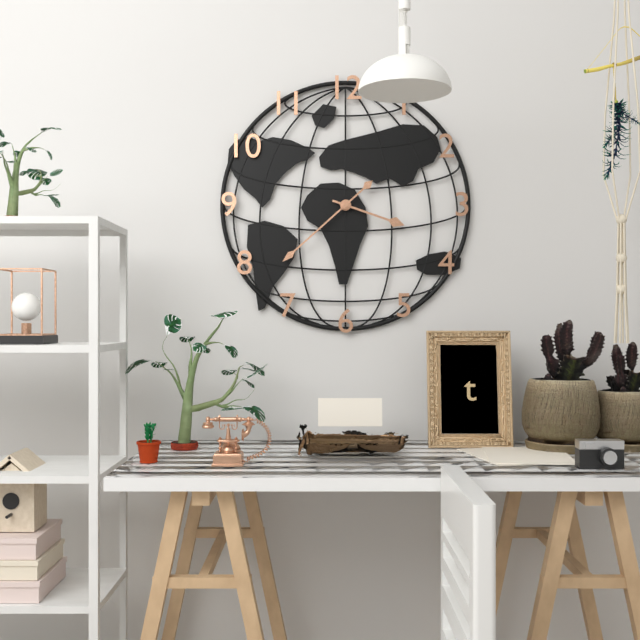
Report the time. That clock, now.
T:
3:38
